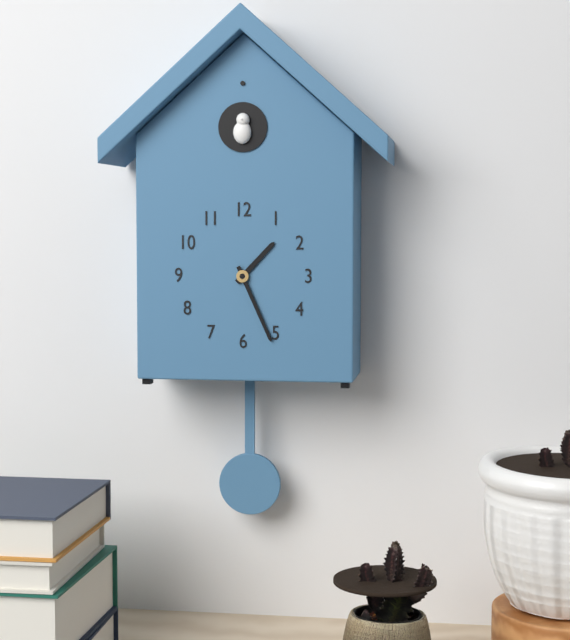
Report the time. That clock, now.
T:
1:26
